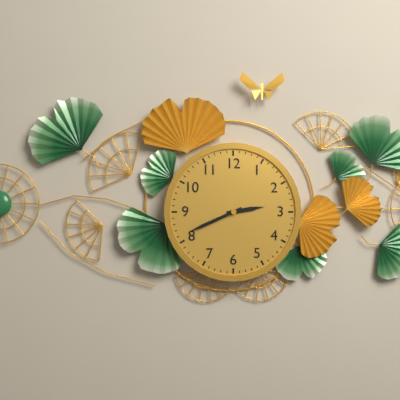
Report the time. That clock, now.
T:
2:41
